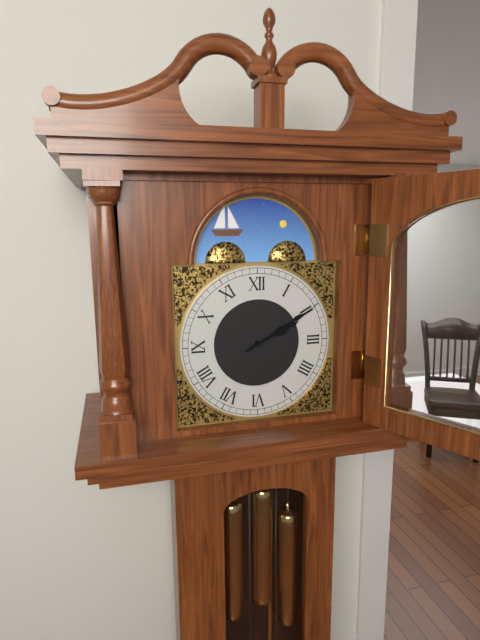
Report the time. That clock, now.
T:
2:10
